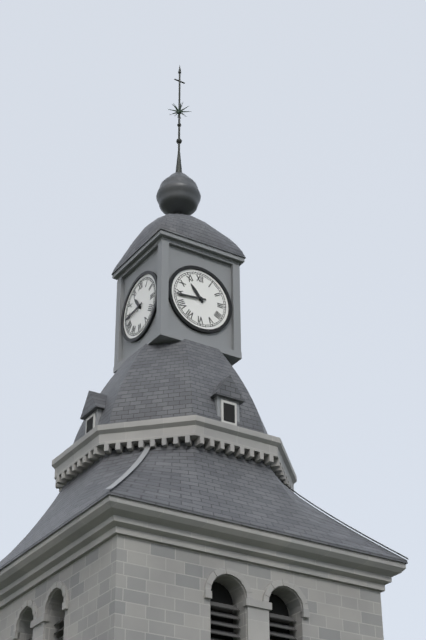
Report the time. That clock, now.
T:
10:44
